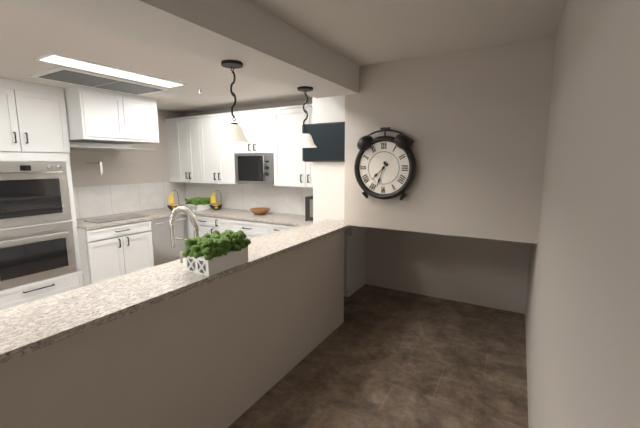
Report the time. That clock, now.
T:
7:33
